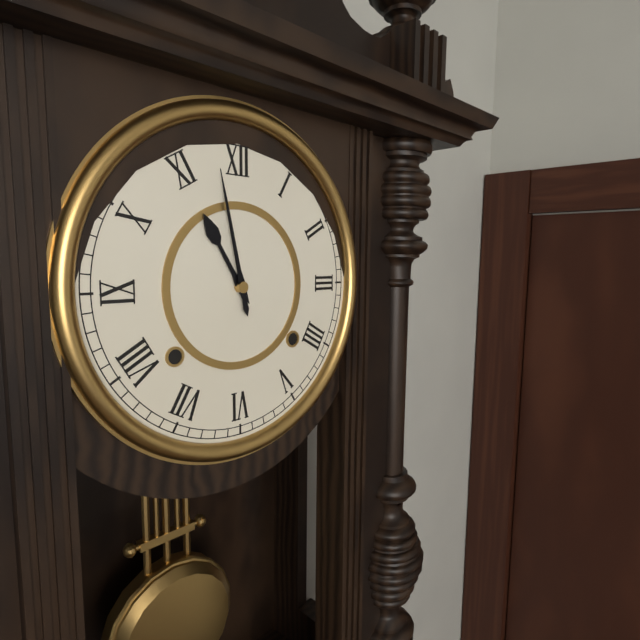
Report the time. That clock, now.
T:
10:58
